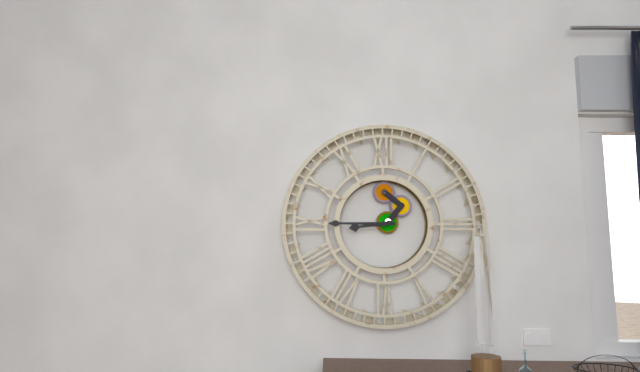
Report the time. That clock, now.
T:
8:45
